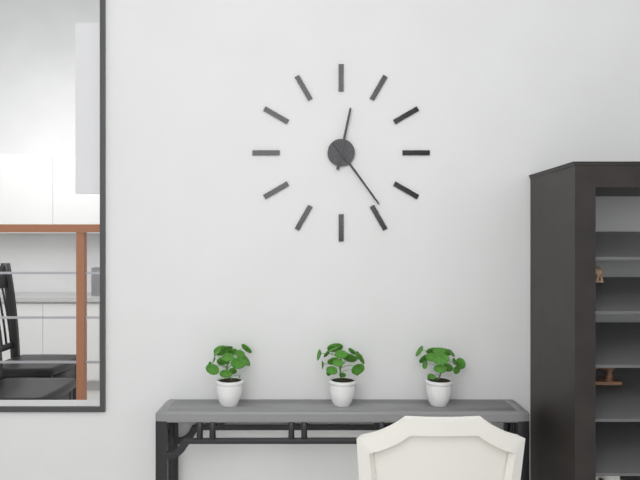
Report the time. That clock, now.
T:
12:24
